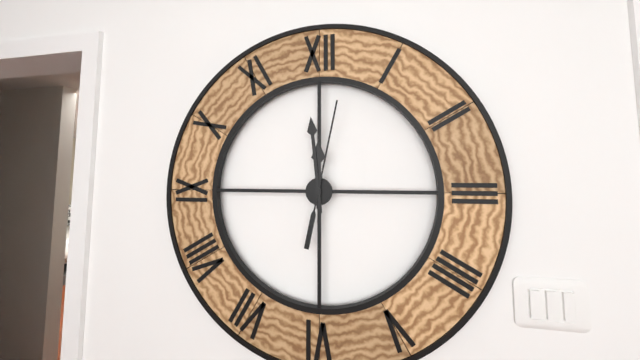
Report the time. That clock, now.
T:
11:59:02
